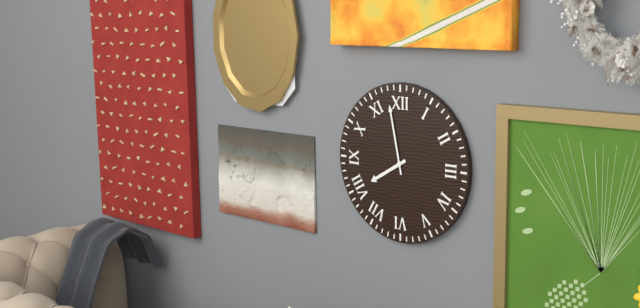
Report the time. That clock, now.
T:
7:58
